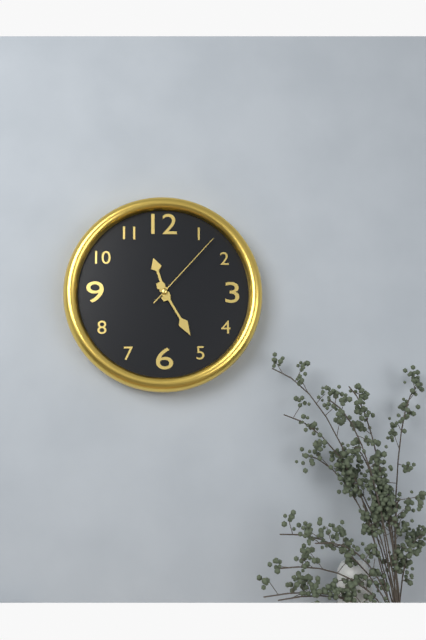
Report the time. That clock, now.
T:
11:25:07
